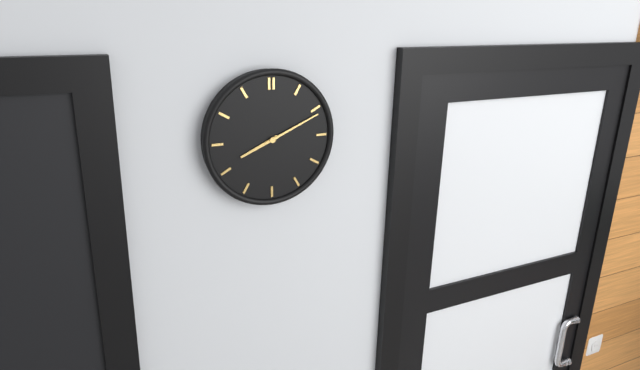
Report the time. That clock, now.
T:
8:11
